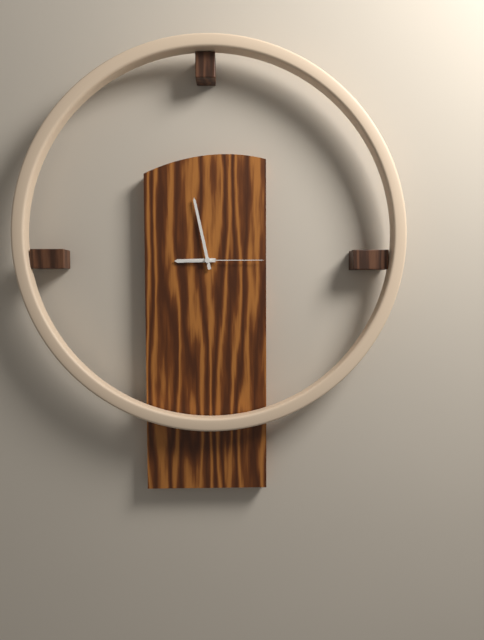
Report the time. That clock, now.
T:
8:58:15
